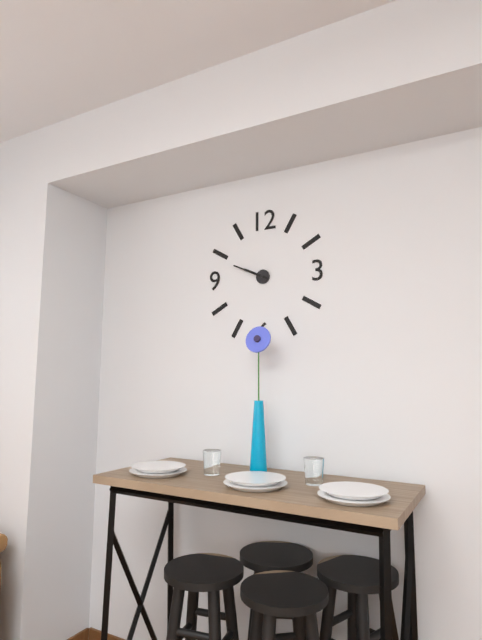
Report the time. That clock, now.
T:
9:49
